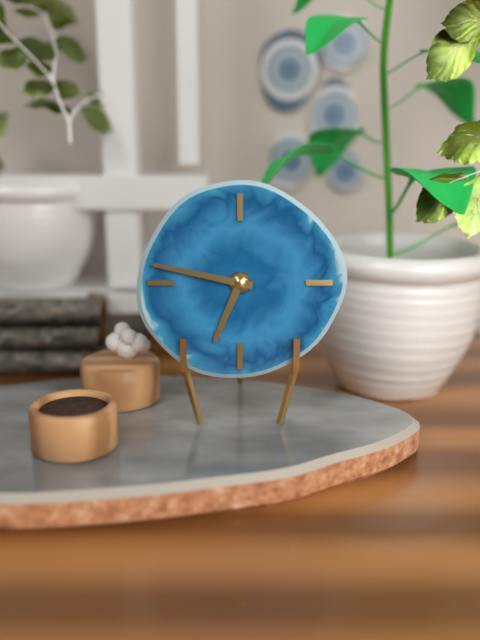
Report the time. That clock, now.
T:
6:47
